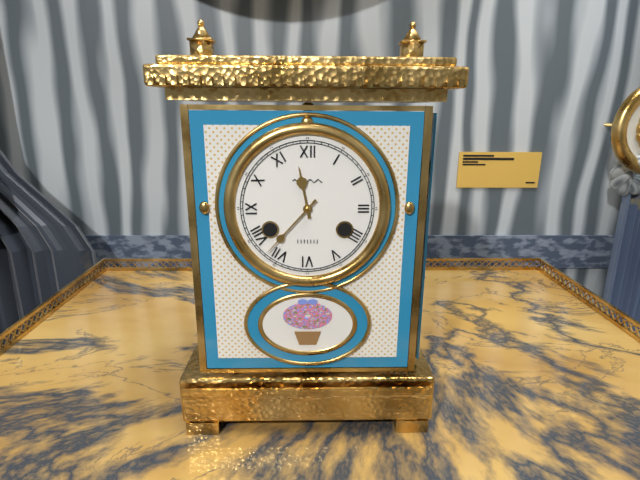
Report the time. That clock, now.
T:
11:37
